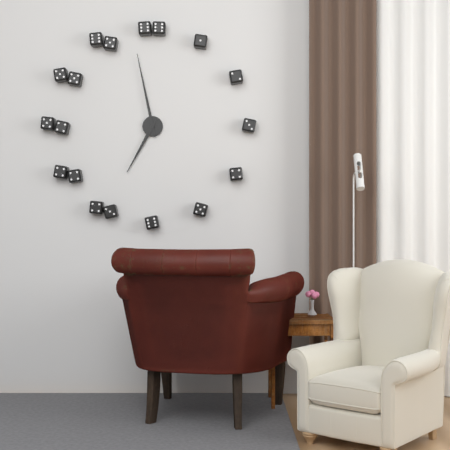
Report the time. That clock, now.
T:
6:58
